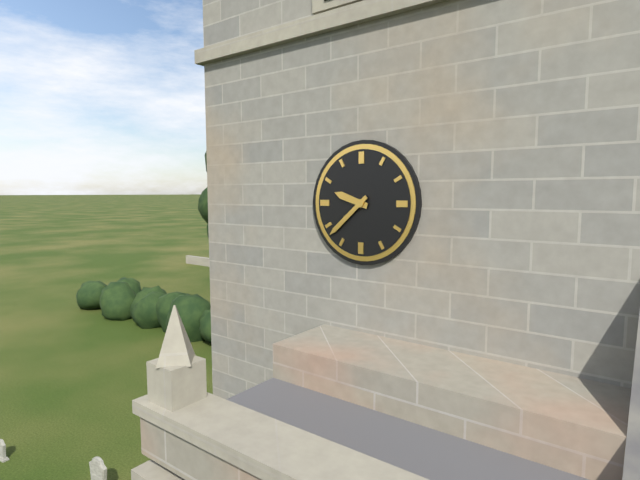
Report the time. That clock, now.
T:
9:38
